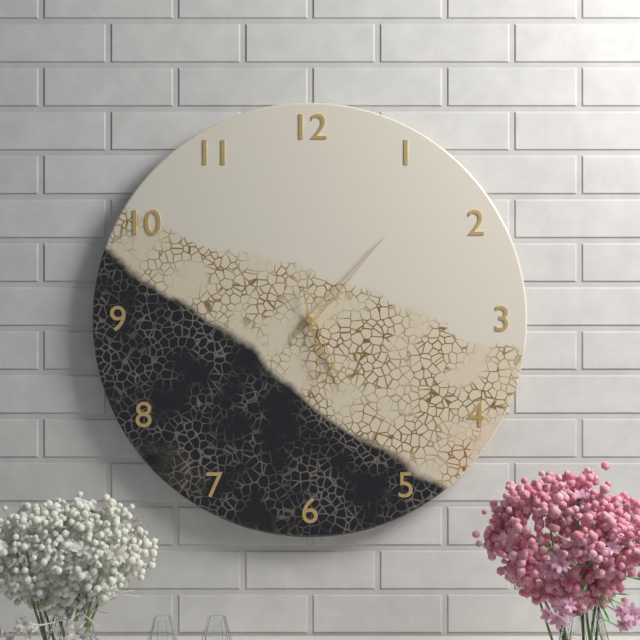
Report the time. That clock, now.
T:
5:07:28
